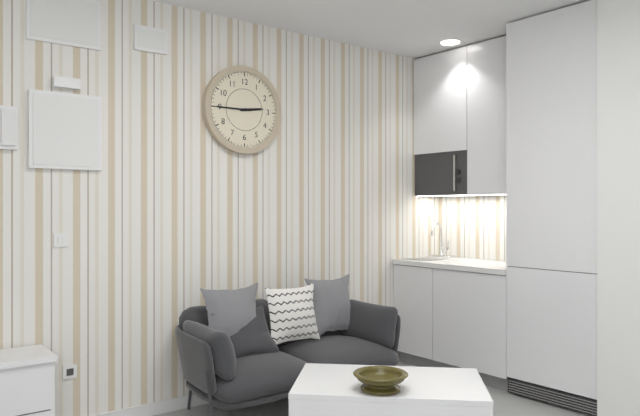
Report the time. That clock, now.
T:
2:45
